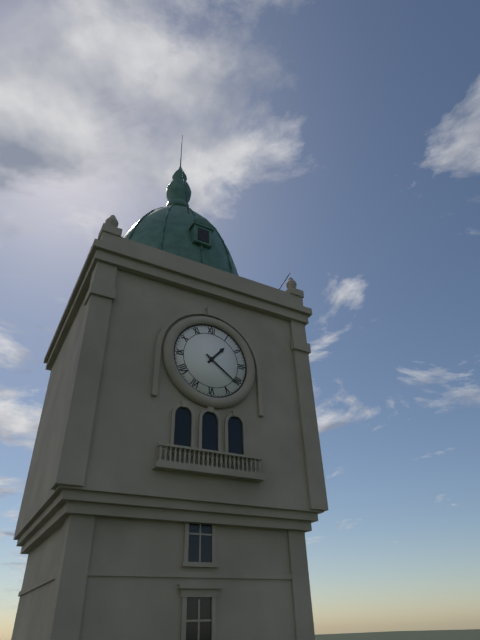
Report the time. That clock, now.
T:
1:21
